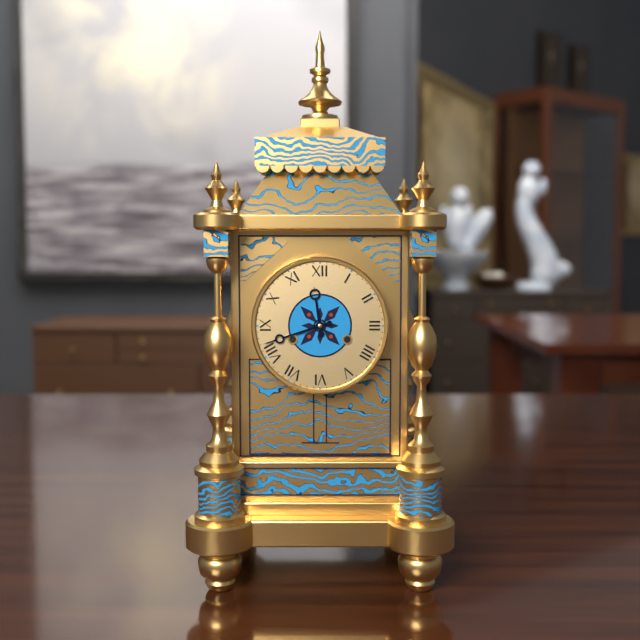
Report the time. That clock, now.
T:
11:42
